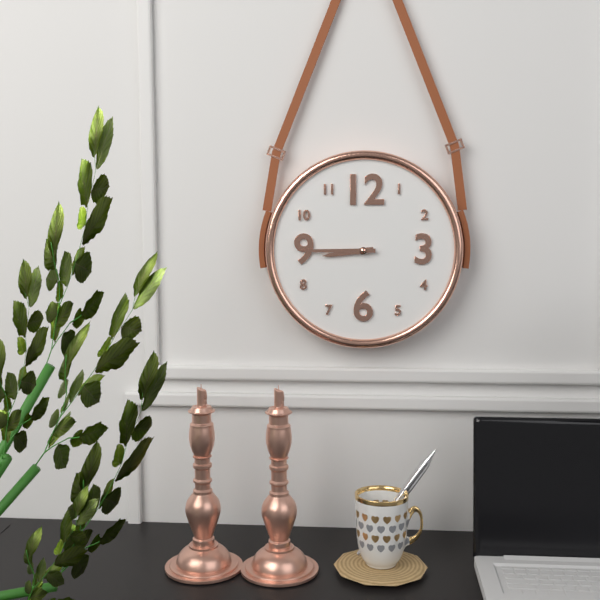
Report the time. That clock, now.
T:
8:45
